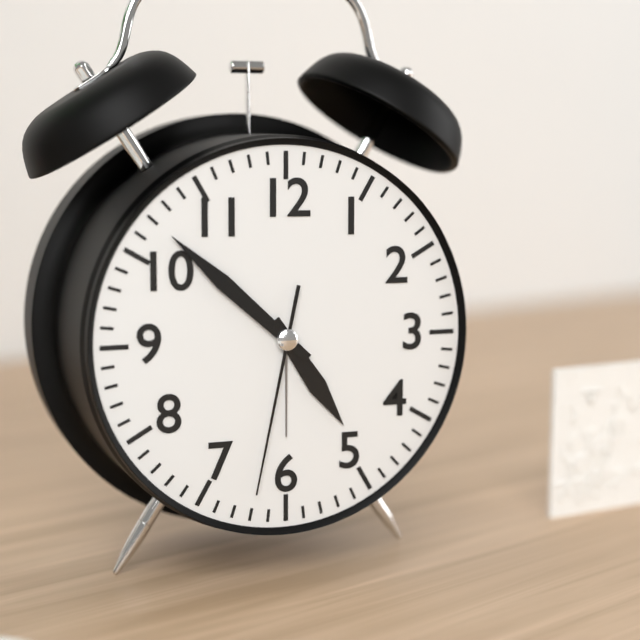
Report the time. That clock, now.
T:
4:52:32
